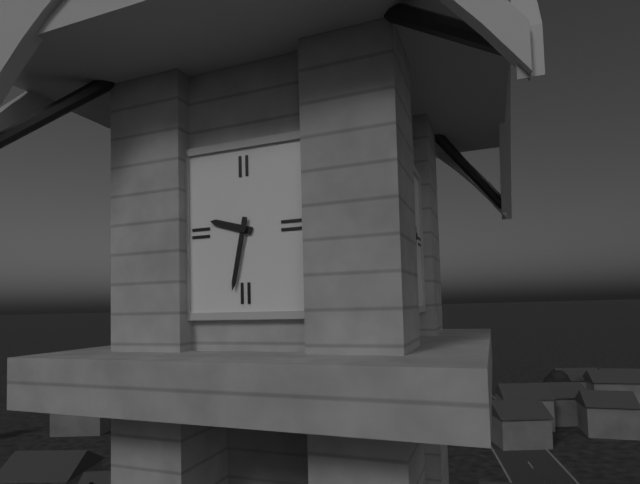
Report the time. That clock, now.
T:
9:32
